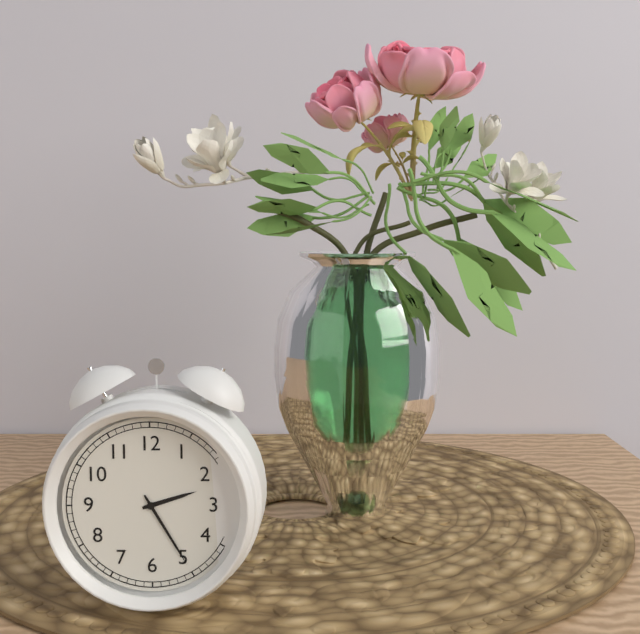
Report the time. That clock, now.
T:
2:25
